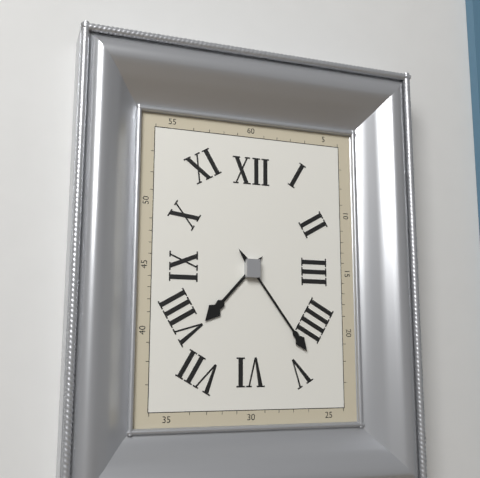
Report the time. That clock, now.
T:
7:24
